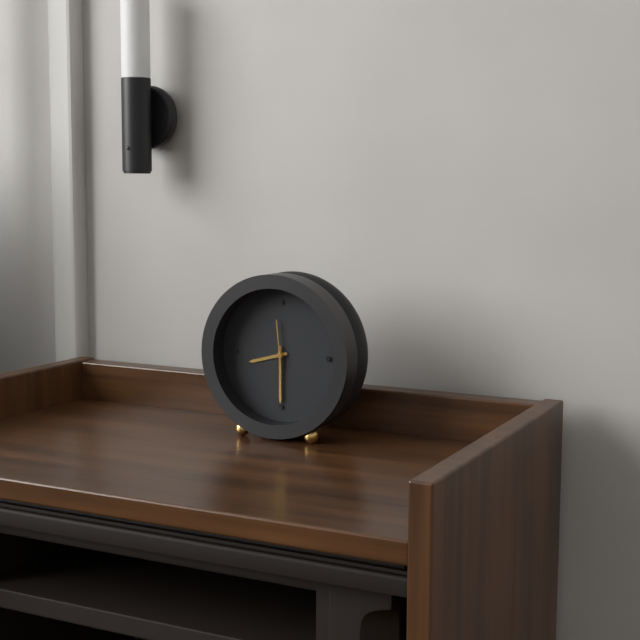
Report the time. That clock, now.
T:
8:30
